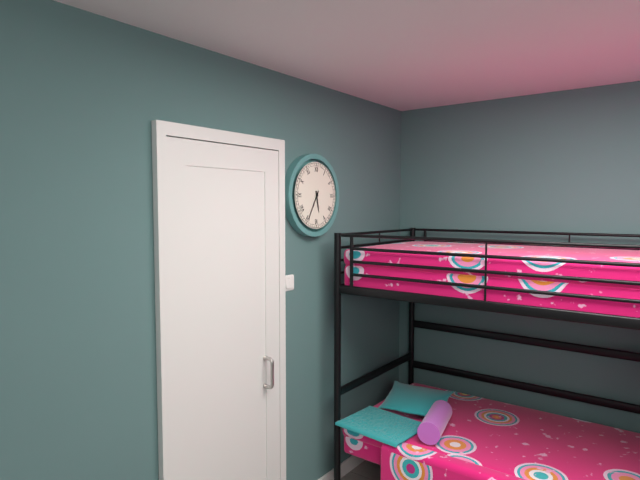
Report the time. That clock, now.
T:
5:35
